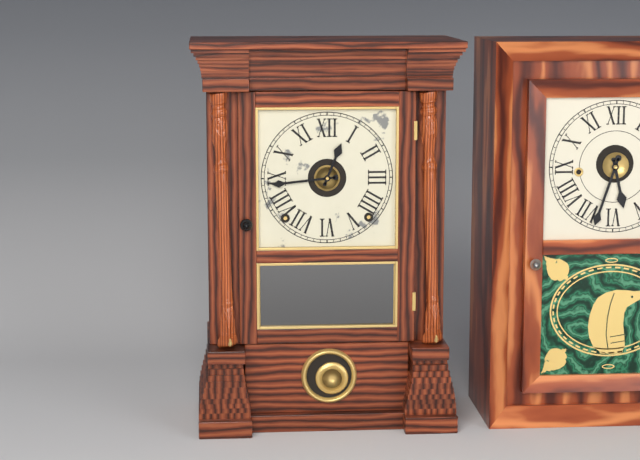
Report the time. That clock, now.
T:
12:44
